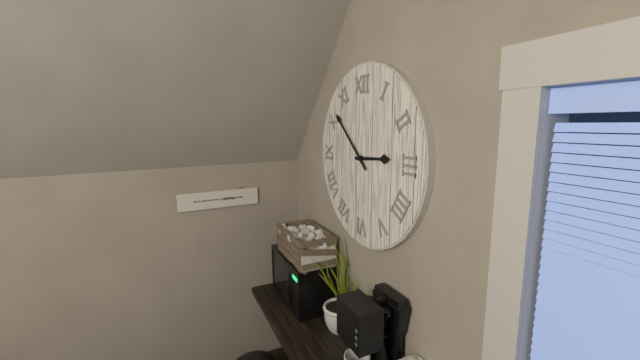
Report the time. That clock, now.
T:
2:52
